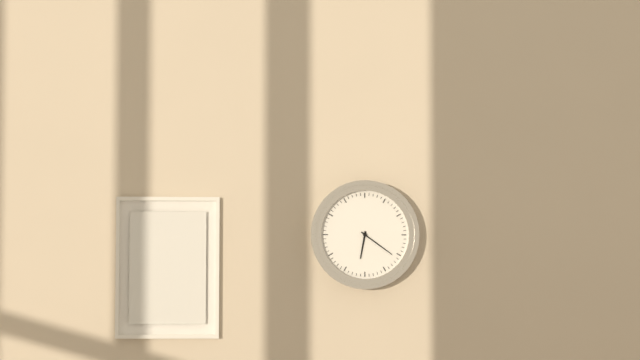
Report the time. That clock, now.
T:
6:21
